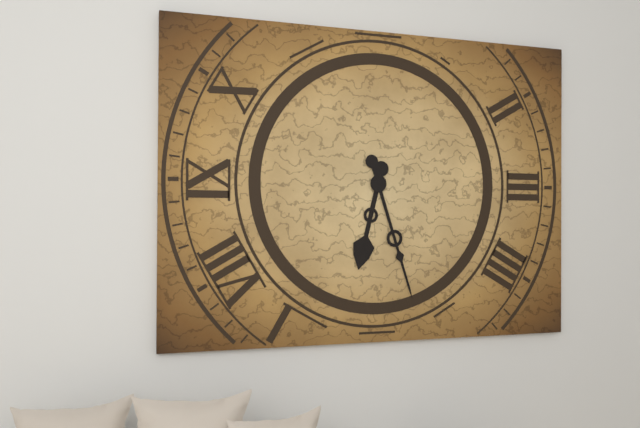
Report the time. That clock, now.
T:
6:27
